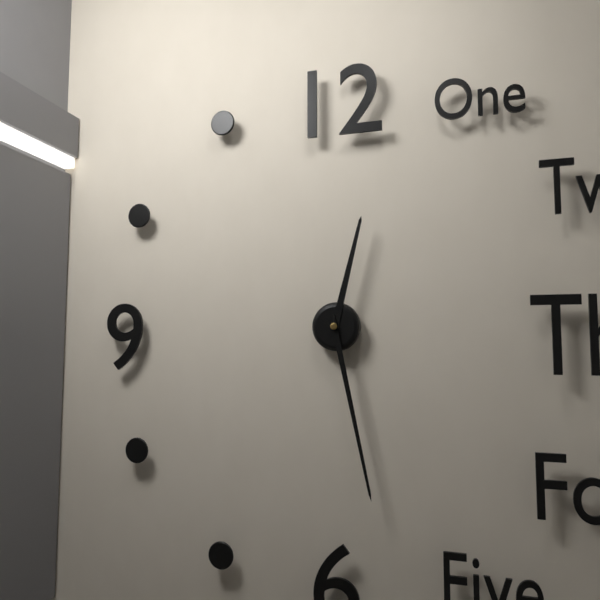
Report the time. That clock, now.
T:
12:28
